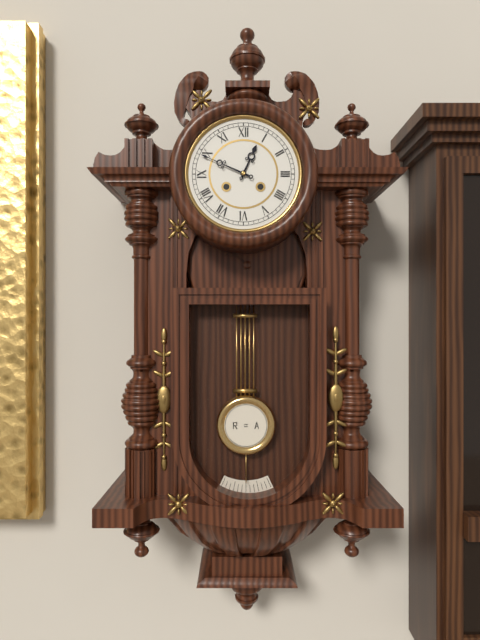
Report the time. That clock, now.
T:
12:49
